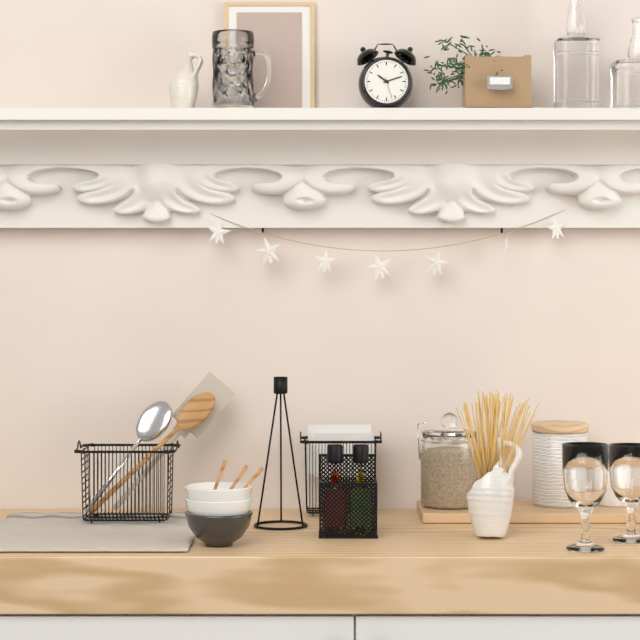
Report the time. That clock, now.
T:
10:12
